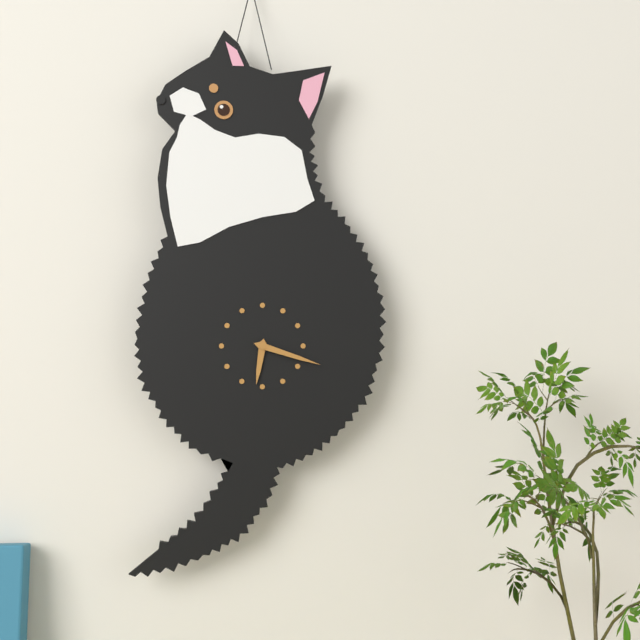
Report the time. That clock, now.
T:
6:18
